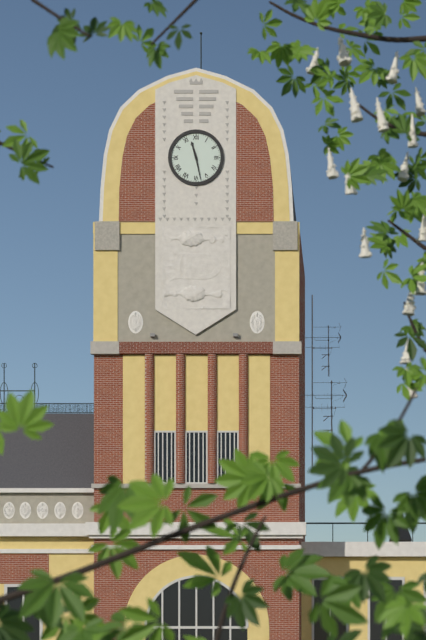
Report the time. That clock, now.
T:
11:28
